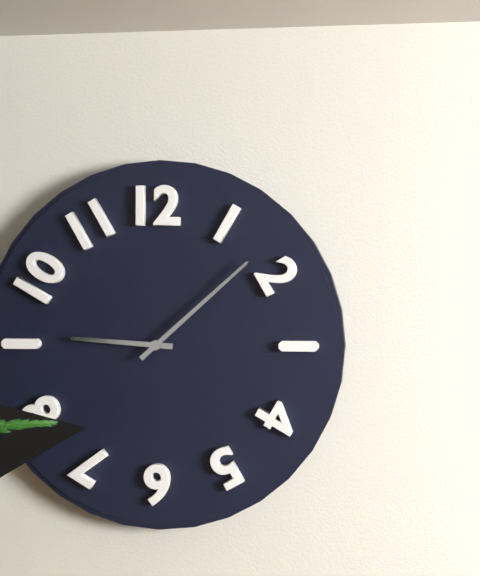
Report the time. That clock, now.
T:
9:08
